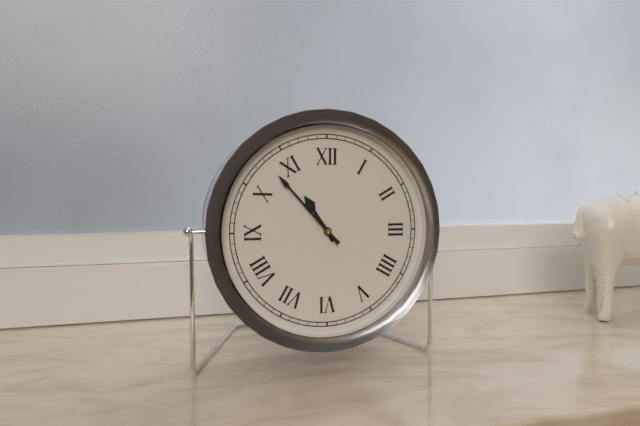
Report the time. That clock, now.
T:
10:53
